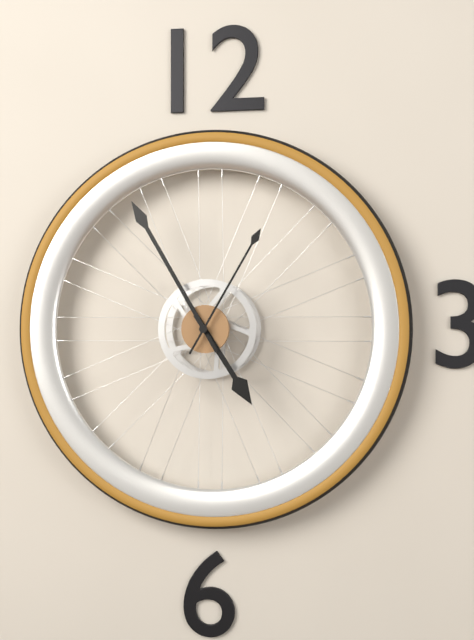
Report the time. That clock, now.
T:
4:55:05
